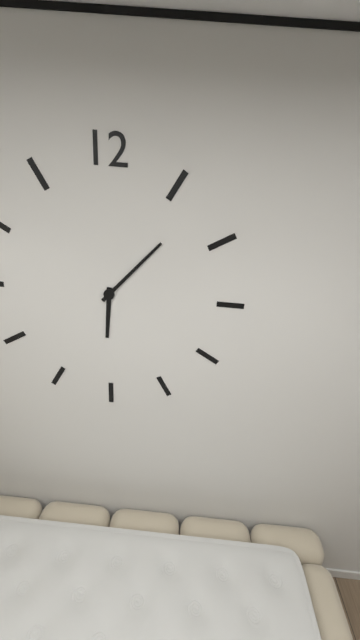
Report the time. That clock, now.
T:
6:07
